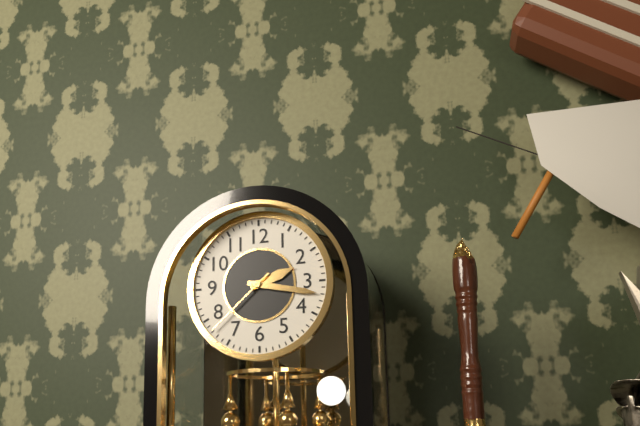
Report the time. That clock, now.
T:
2:17:38
